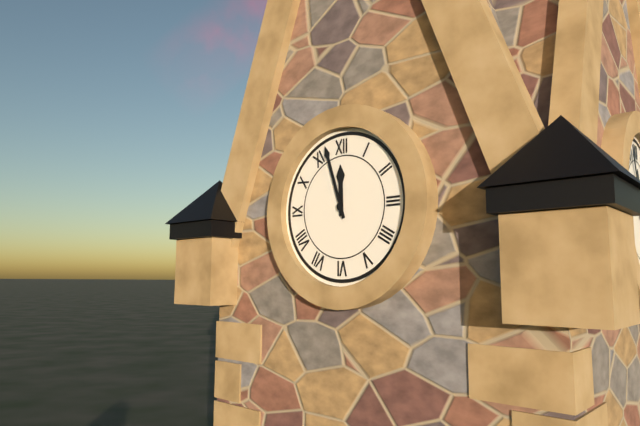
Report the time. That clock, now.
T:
11:57
